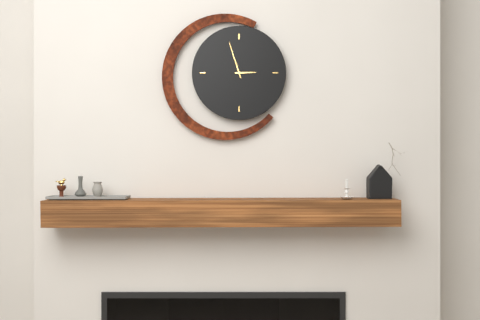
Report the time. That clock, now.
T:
2:57
